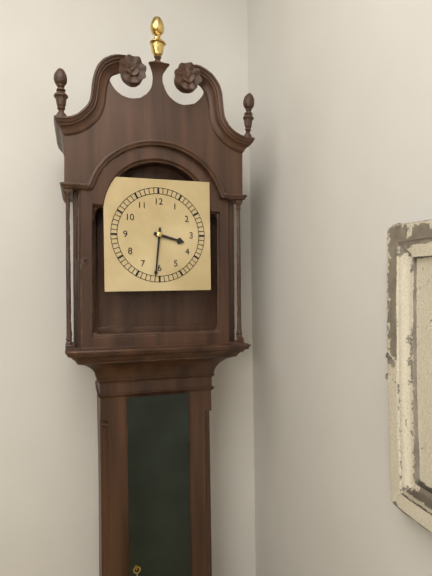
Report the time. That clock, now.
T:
3:31
